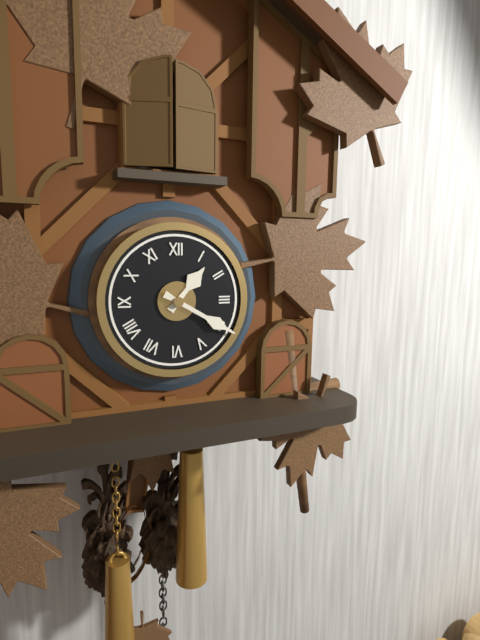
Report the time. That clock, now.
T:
1:20
